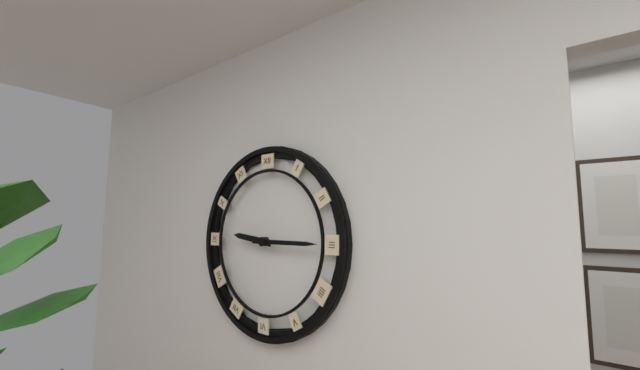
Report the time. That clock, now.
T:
9:15
